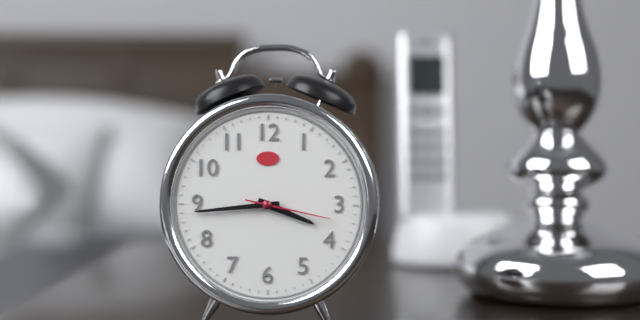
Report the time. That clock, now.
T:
3:44:17
